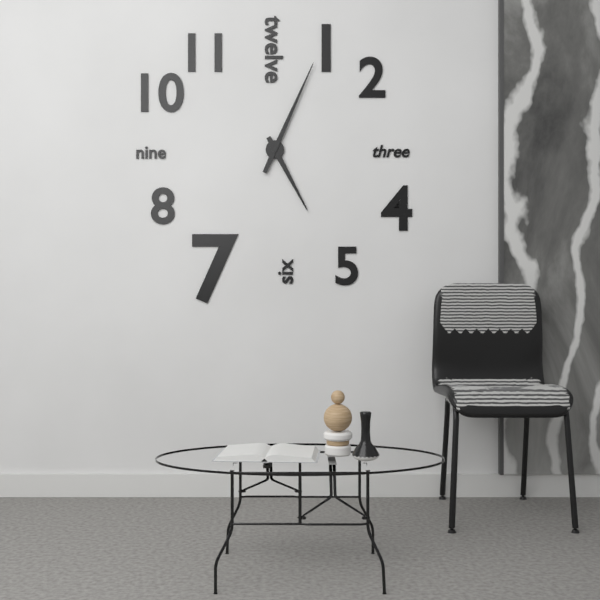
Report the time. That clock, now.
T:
5:04
